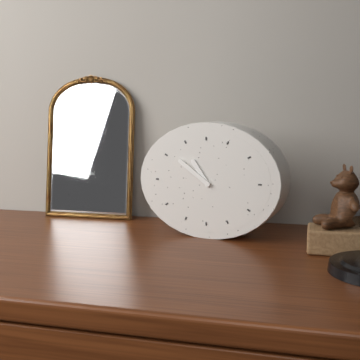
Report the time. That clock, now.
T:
10:51
